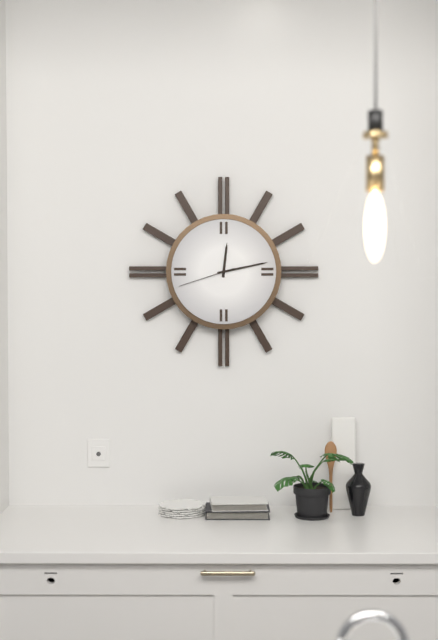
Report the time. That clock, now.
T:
12:13:42
